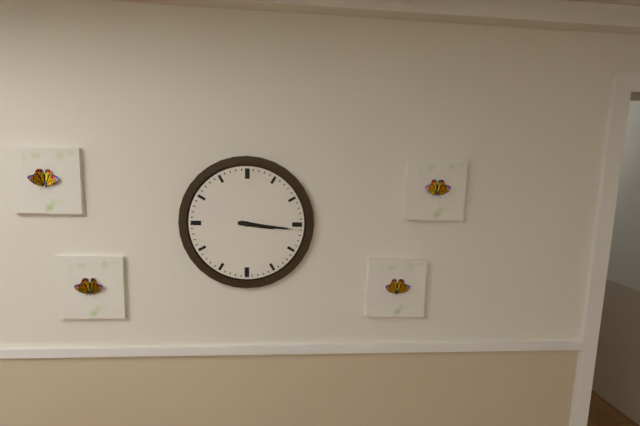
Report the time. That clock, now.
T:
3:16
